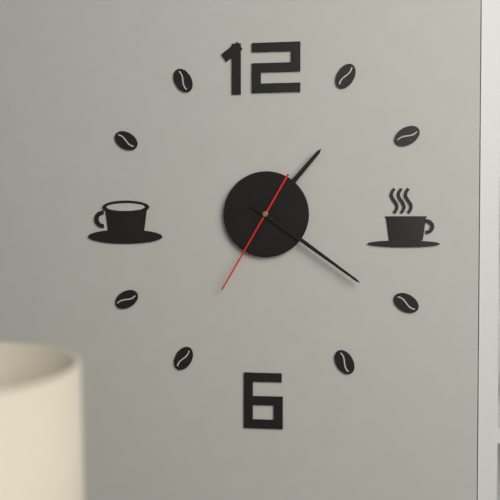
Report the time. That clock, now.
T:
1:21:35
